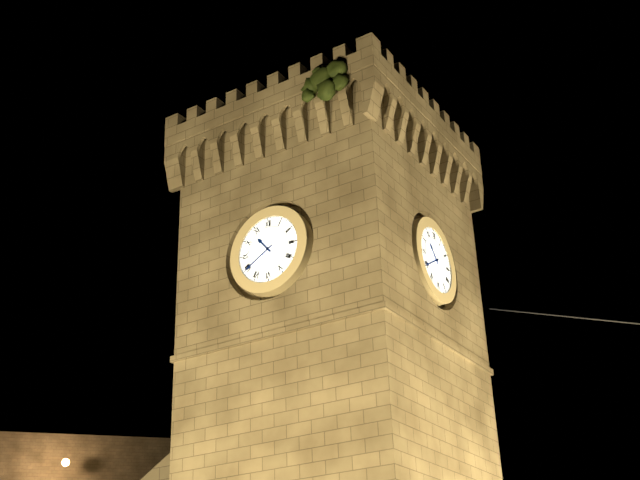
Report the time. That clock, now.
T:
10:40
